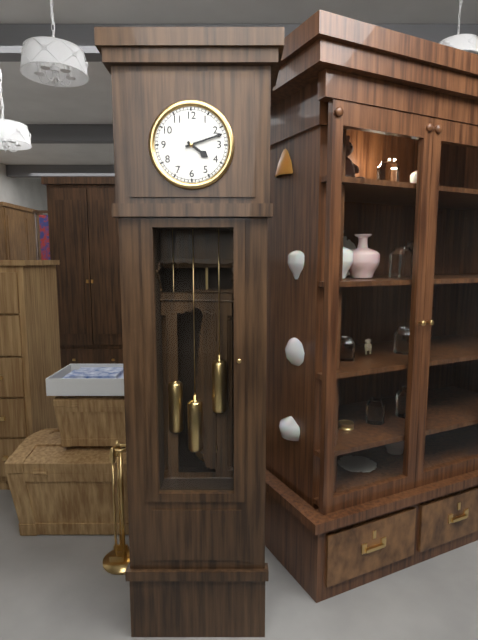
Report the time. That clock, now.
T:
4:12
